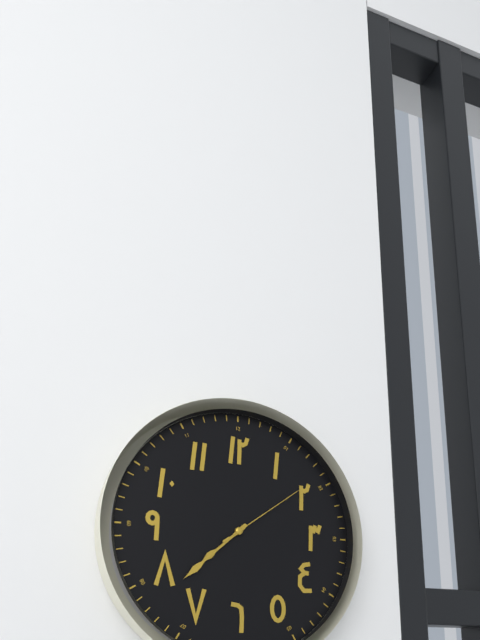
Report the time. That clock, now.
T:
7:38:09
